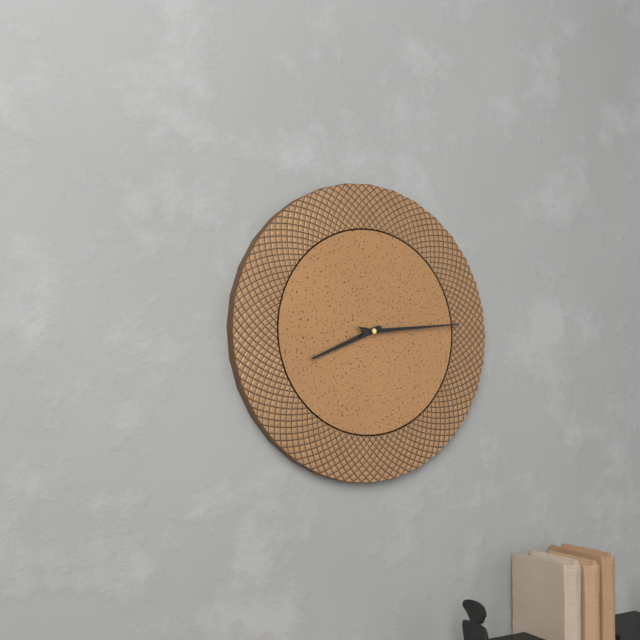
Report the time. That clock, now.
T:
8:14
